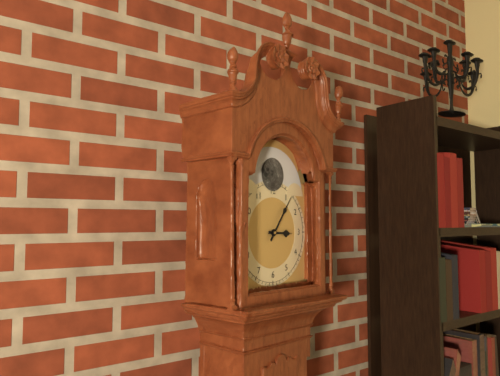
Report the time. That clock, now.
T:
3:06
